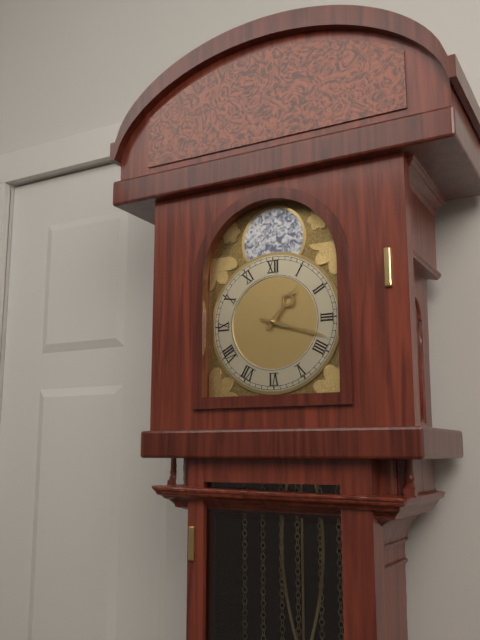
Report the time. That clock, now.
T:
1:18
